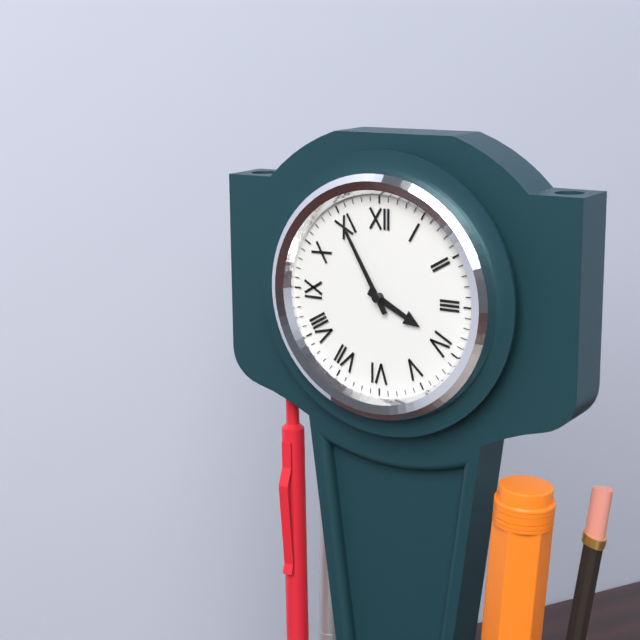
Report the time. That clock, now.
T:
3:55
